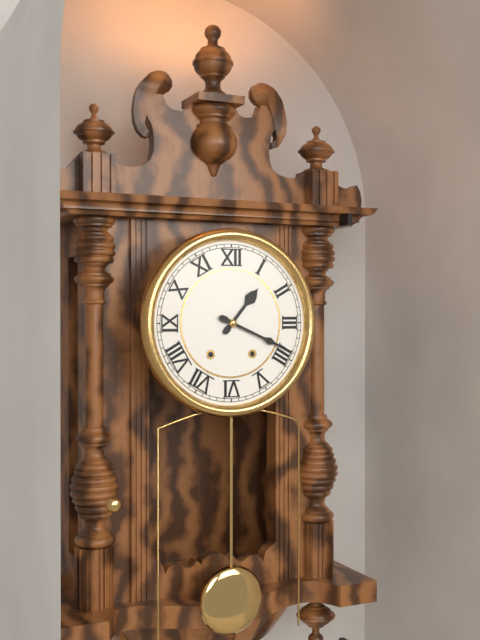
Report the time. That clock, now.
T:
1:19
